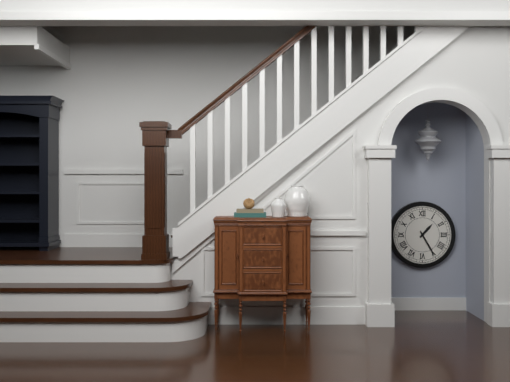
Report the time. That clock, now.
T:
1:25
